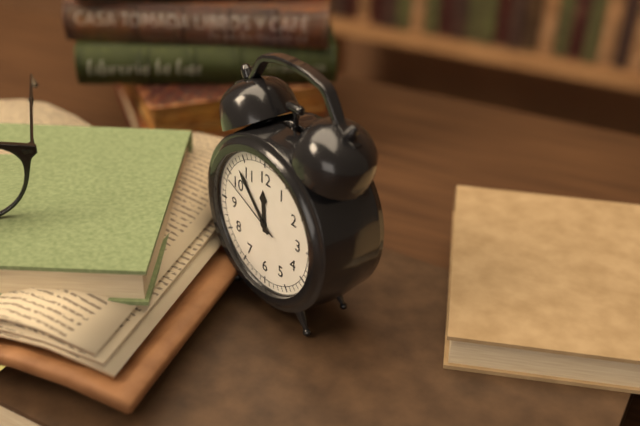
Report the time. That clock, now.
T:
11:53:49
